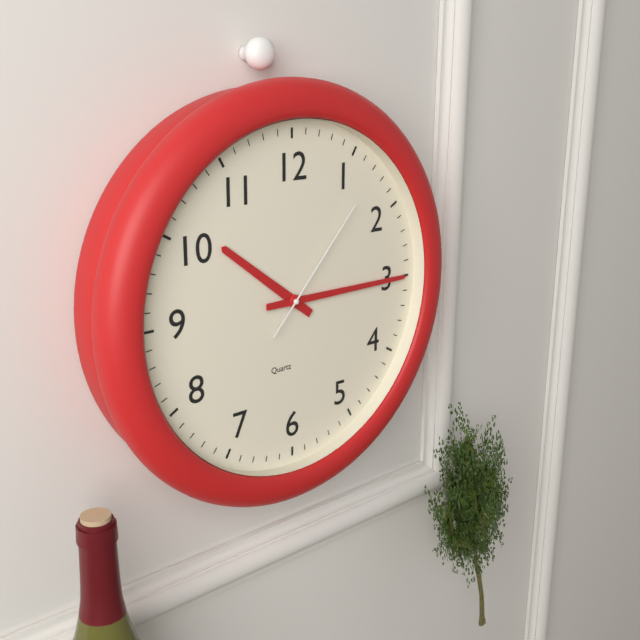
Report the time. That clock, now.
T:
10:15:07
